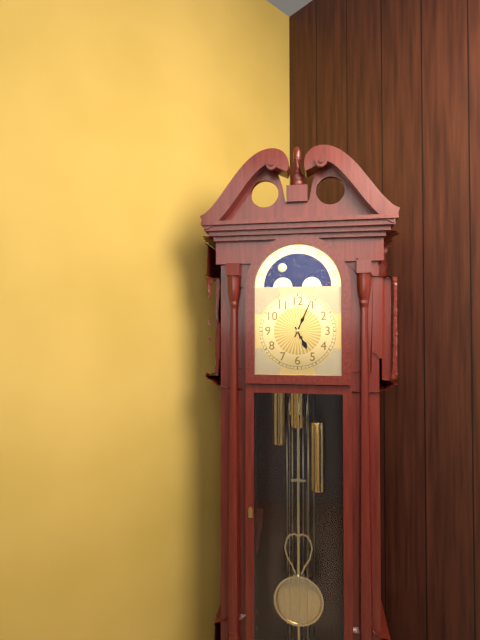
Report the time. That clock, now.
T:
5:04
